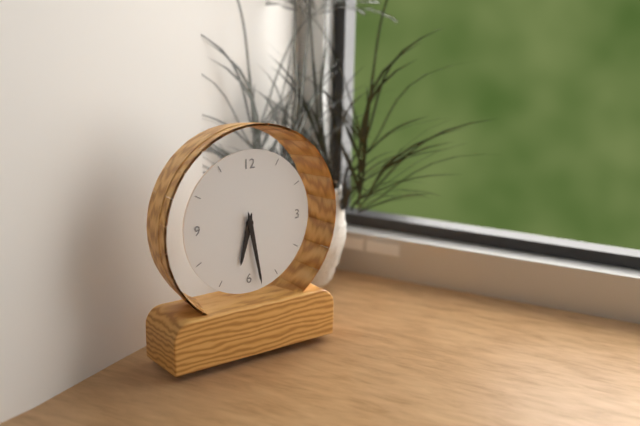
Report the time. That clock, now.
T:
6:28
